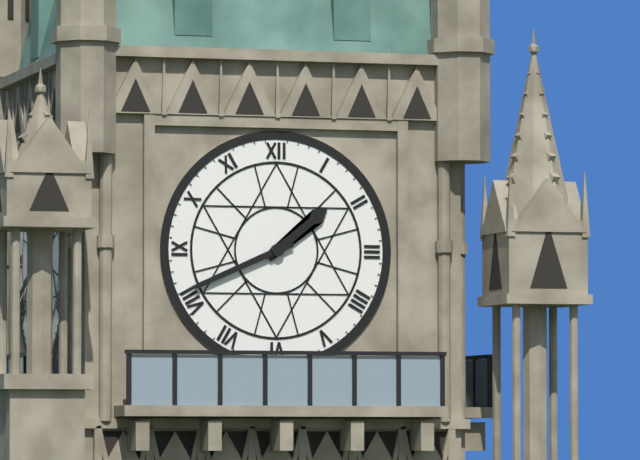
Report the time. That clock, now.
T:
1:41
